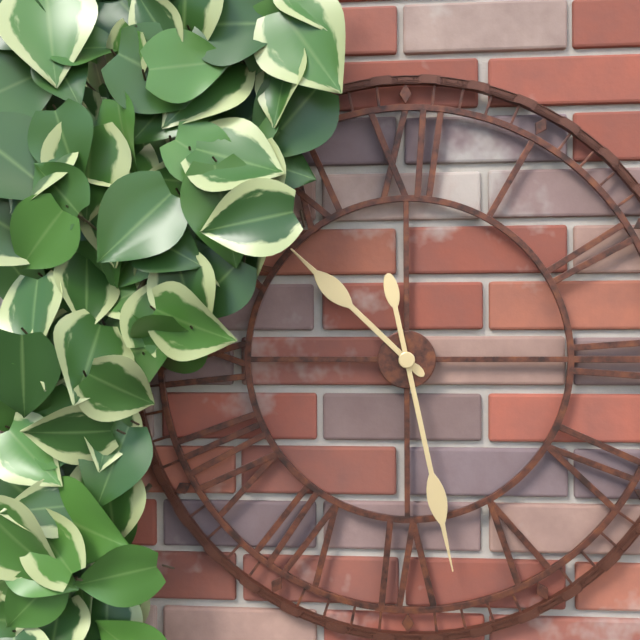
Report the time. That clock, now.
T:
10:28
